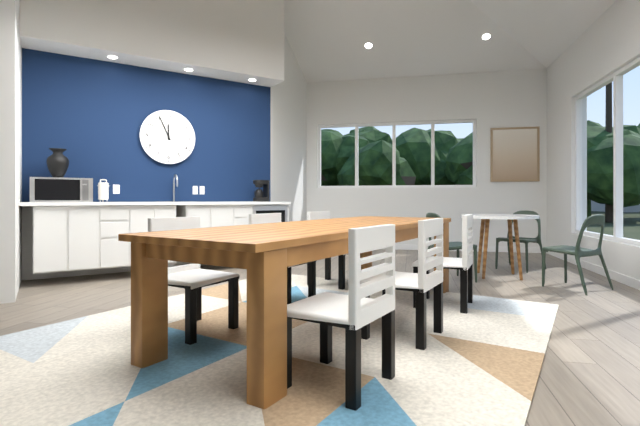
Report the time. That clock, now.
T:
11:56
